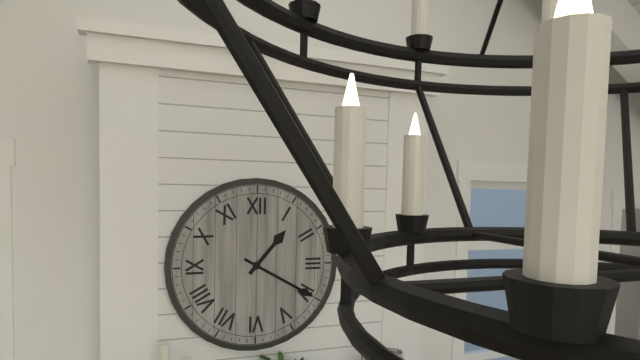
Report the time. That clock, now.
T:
1:20
